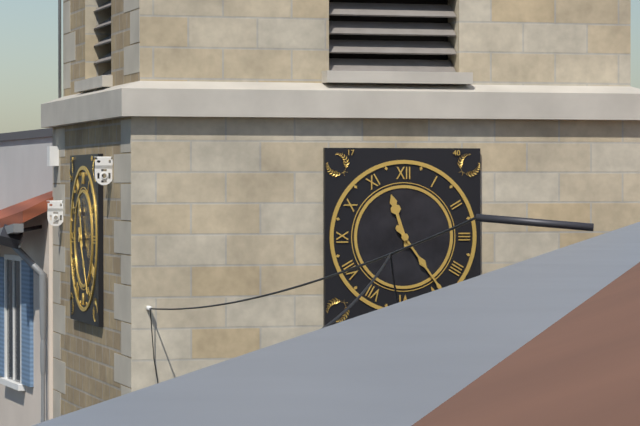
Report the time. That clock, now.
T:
11:24
